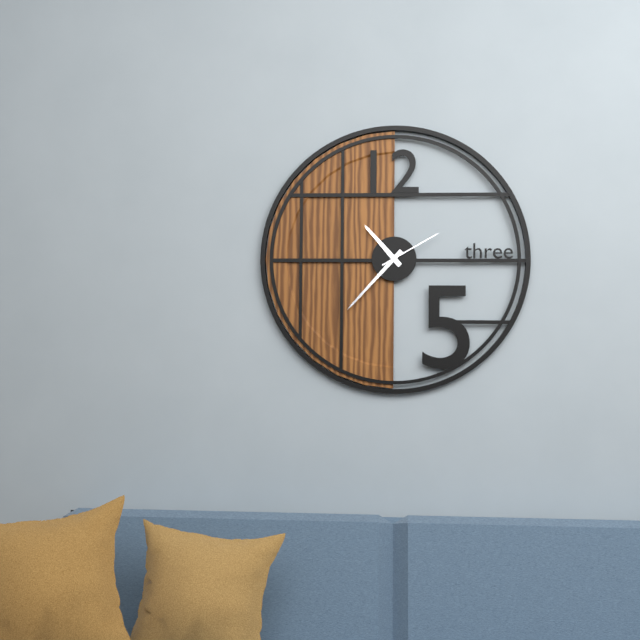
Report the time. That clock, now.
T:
10:37:10
